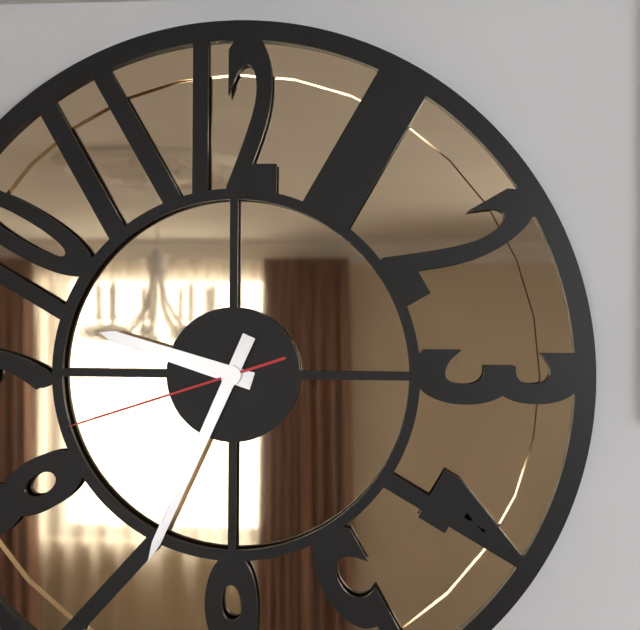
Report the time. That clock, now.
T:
9:34:42
